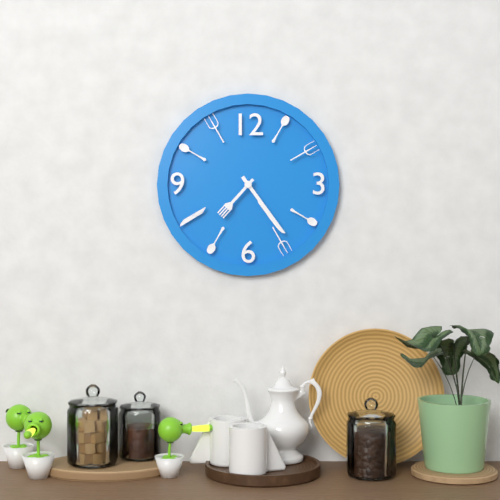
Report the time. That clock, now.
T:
7:24
